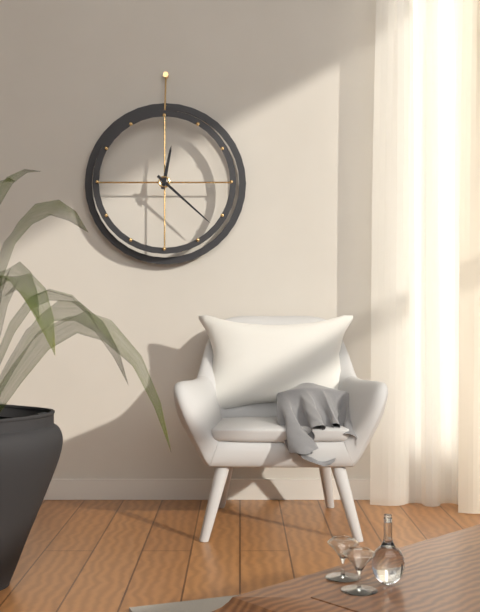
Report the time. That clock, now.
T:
12:22
